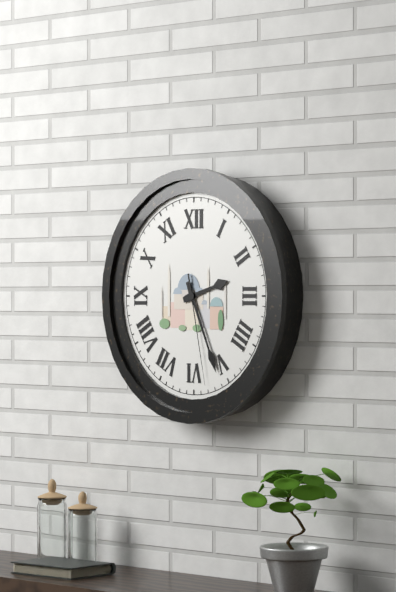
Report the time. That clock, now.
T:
2:26:28
